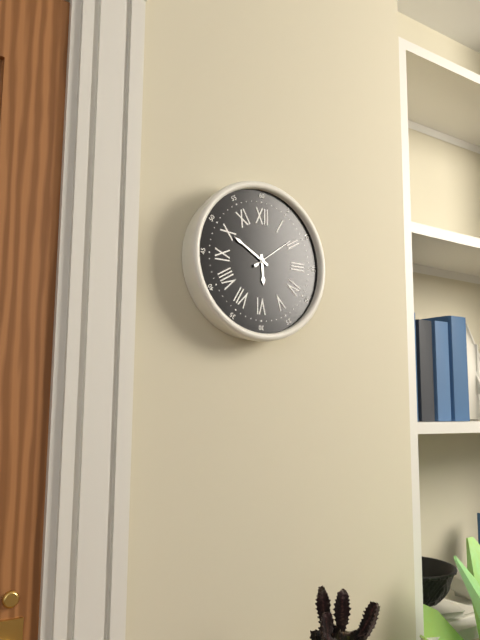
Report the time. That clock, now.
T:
5:50
